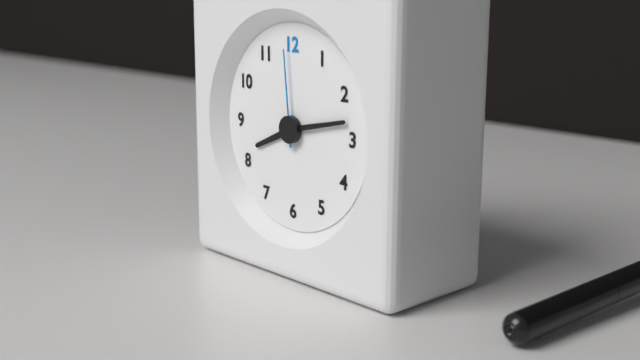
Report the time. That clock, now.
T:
8:13:59
